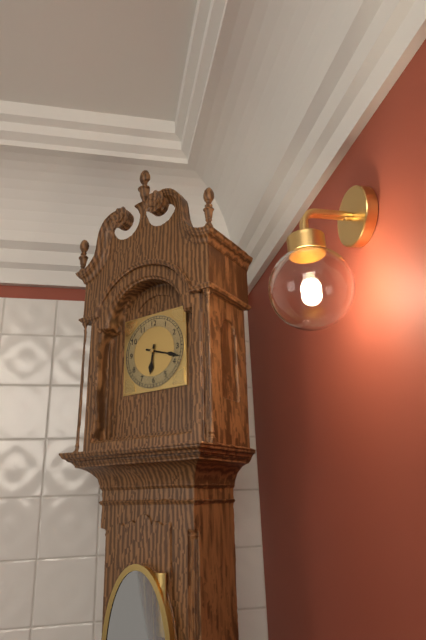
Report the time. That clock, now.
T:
6:18
